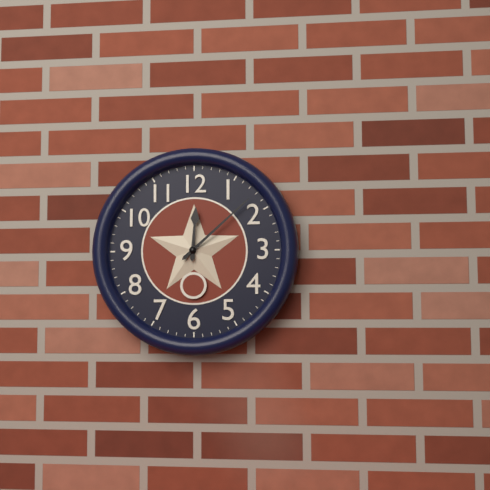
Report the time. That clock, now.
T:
12:08
